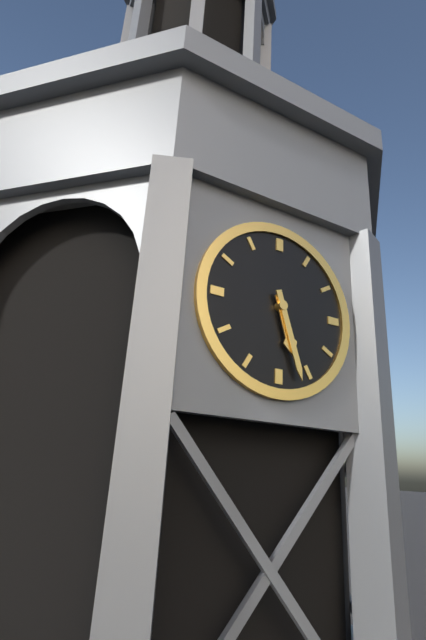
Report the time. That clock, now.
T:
5:27
